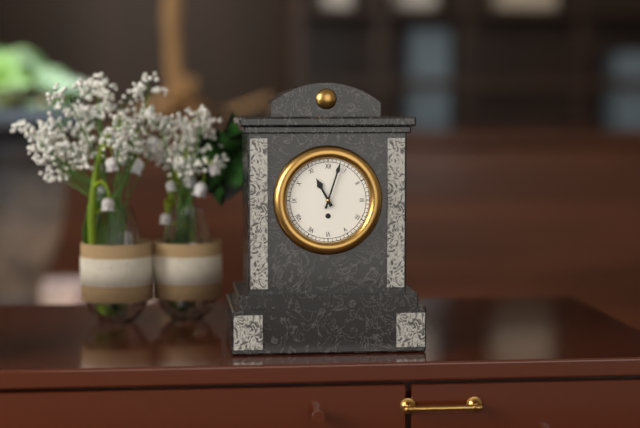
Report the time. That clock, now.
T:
11:03
